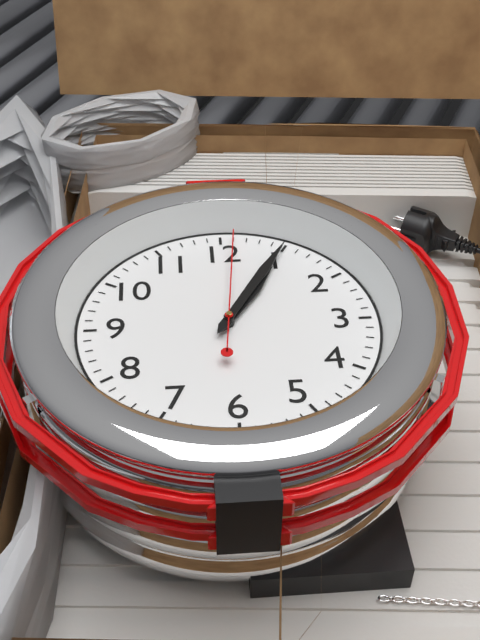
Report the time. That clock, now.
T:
1:05:01
